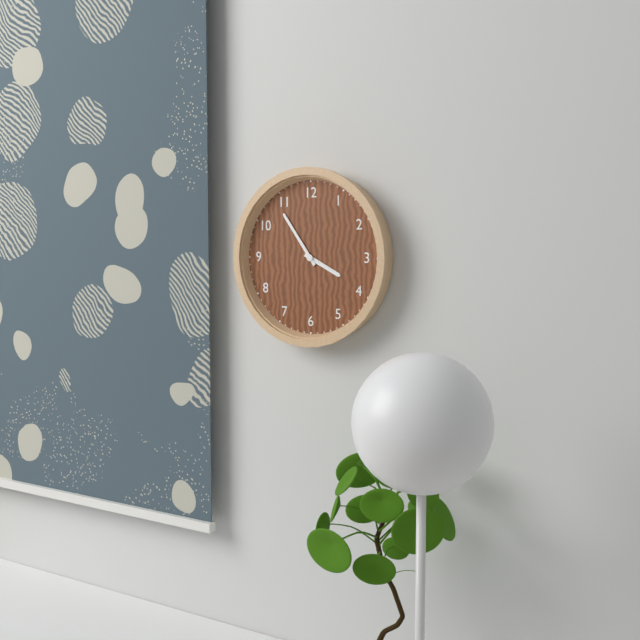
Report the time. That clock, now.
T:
3:54
